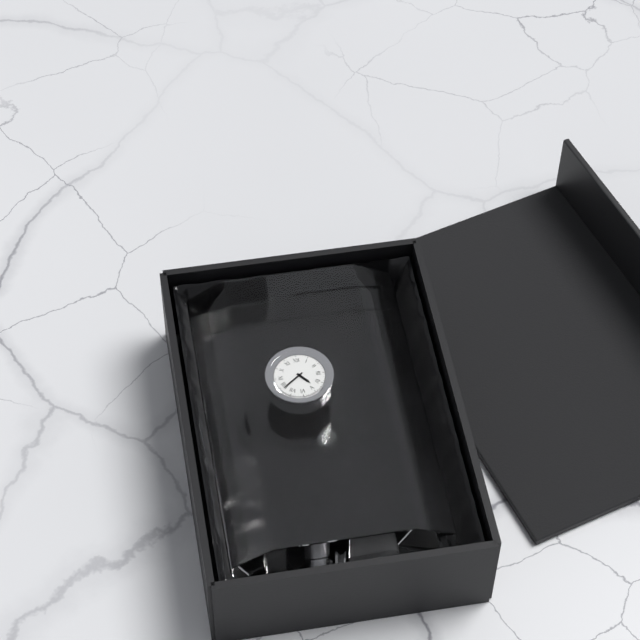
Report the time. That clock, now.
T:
4:39
